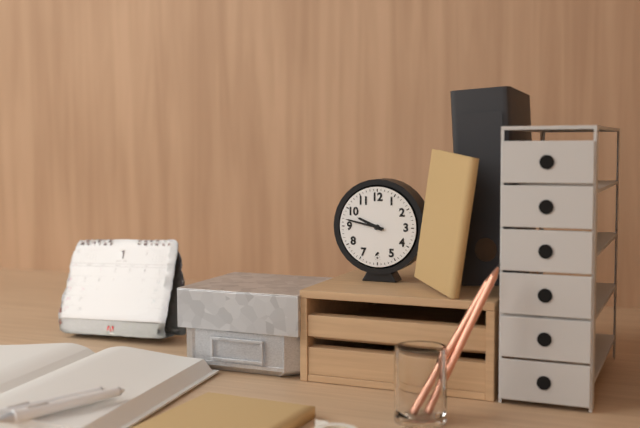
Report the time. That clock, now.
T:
9:47
